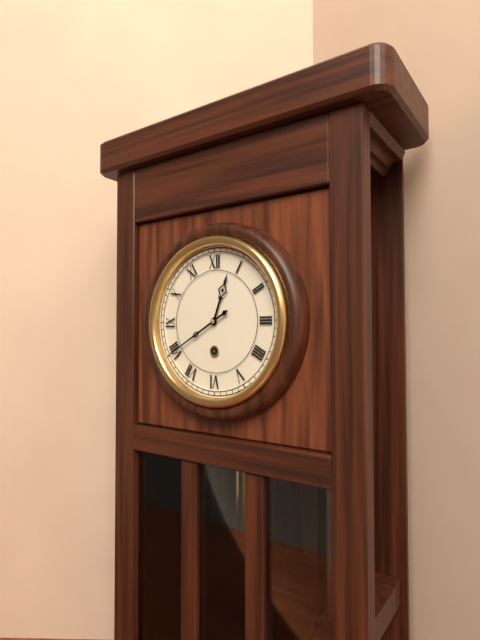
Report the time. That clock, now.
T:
12:40
